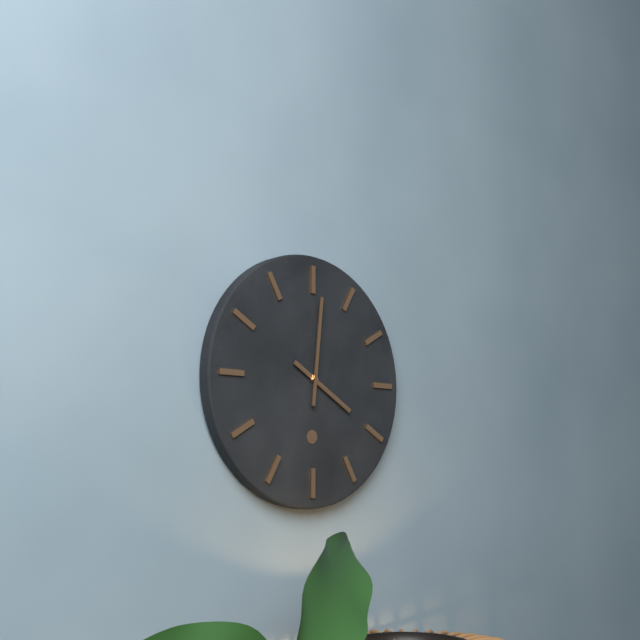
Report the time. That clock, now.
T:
4:01
